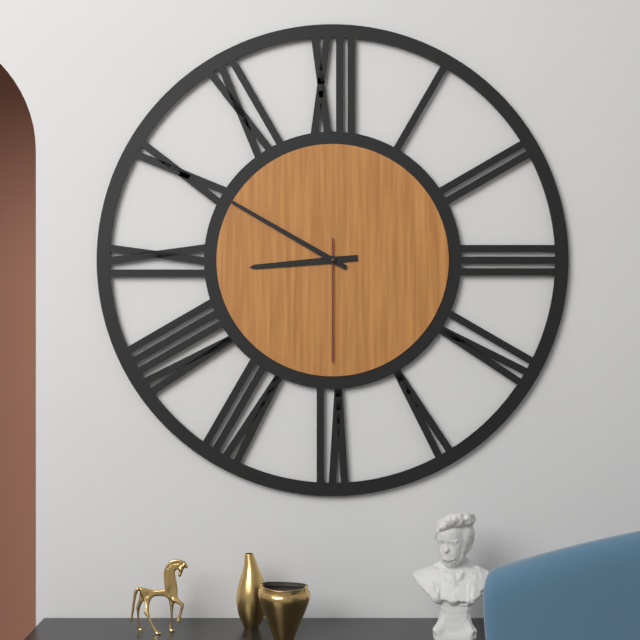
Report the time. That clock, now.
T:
8:50:30
